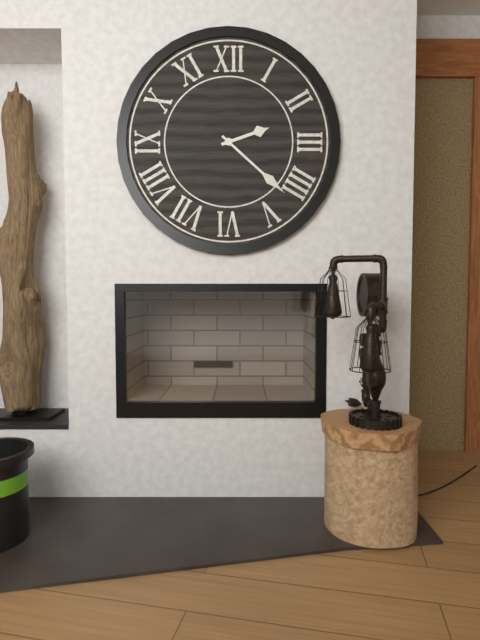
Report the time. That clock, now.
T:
2:22
